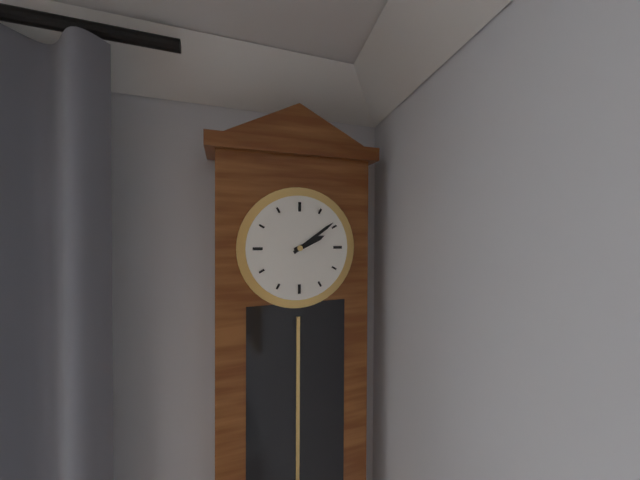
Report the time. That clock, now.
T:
2:09
